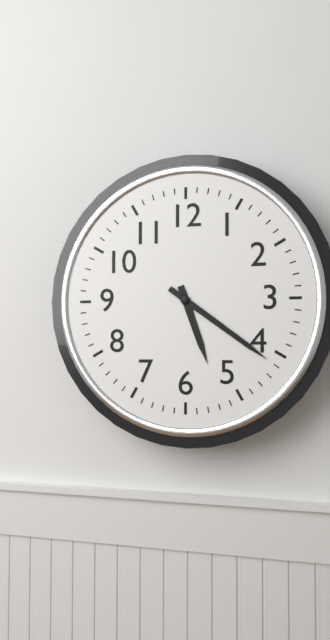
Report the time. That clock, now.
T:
5:21
